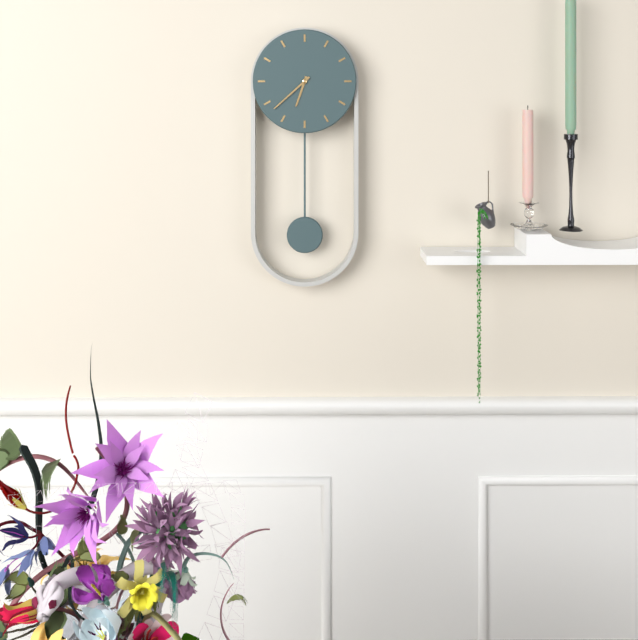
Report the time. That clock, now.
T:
6:38
